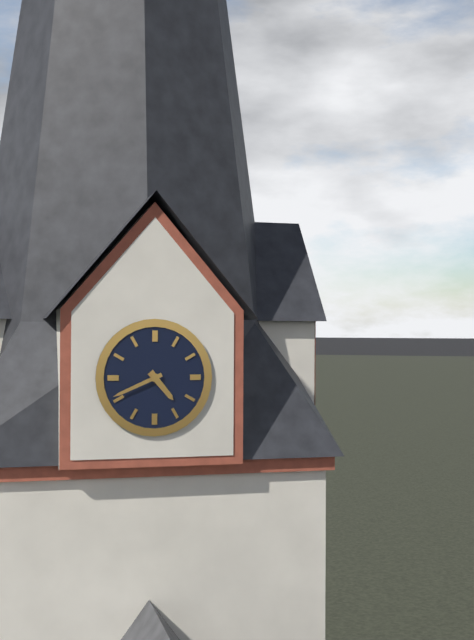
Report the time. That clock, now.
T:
4:41
